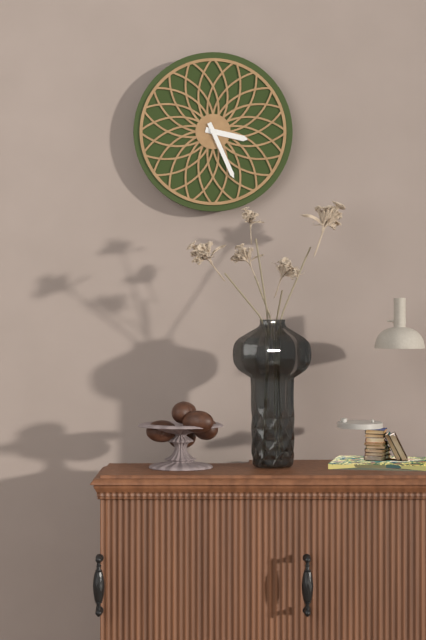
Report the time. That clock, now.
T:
3:26
